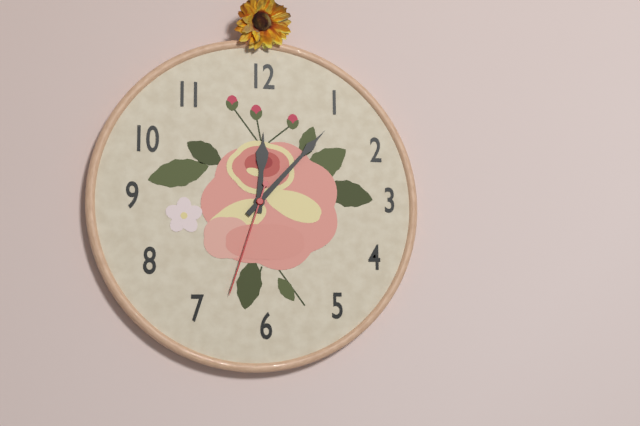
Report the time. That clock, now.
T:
12:07:33
